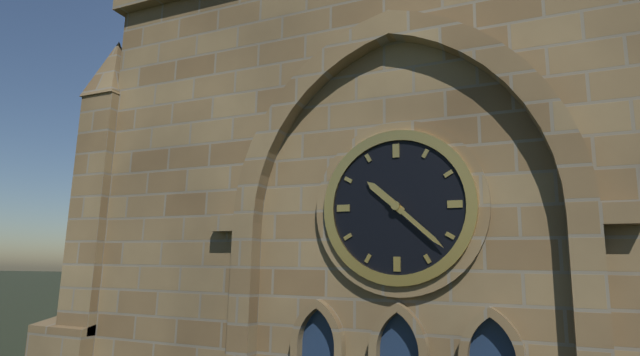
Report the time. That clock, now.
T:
10:22
